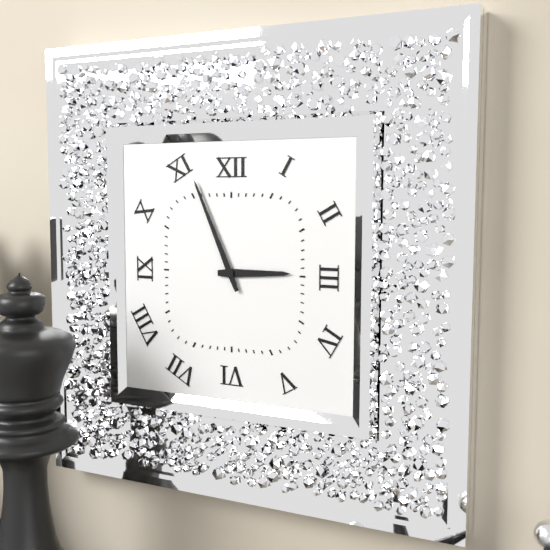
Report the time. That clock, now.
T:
2:56
